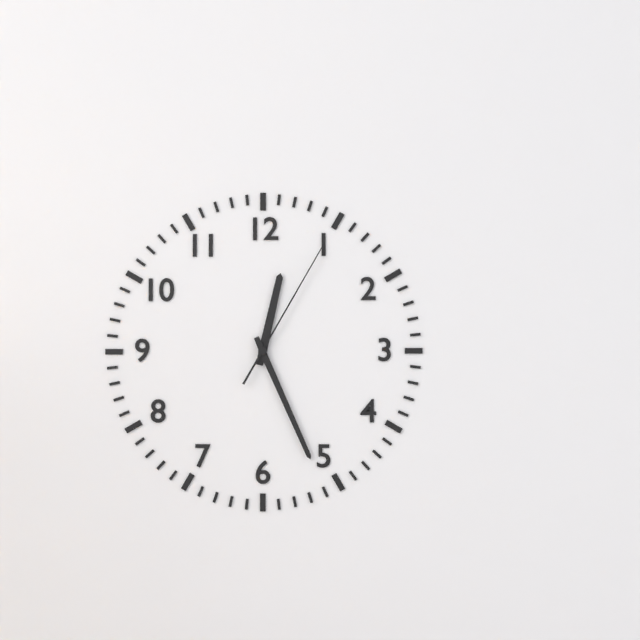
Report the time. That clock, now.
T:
12:26:05
